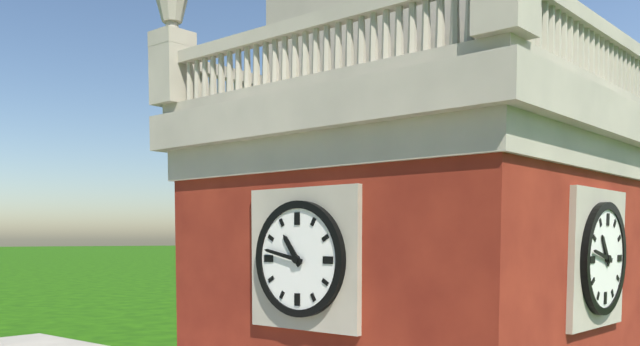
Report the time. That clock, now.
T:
10:47
